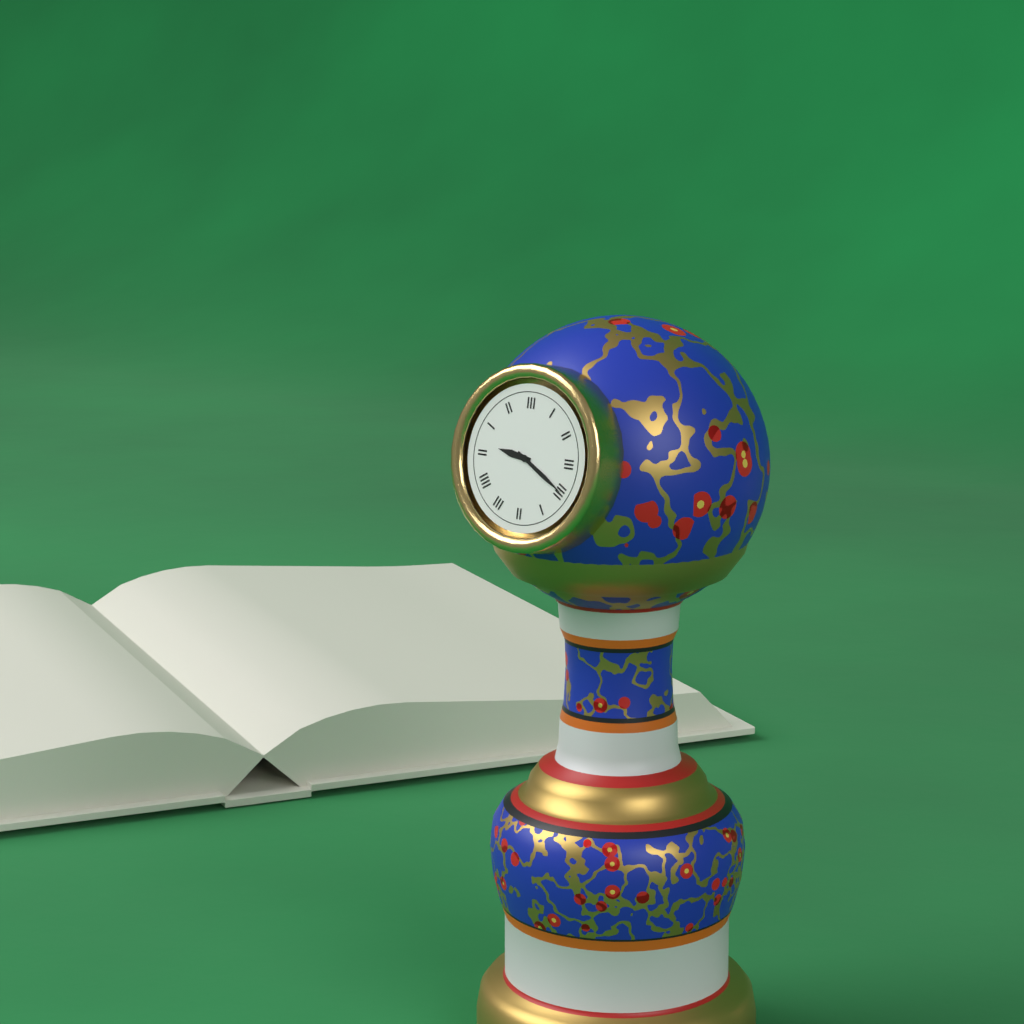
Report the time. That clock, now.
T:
9:20
